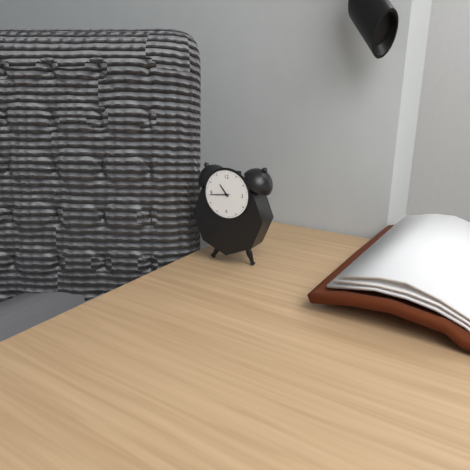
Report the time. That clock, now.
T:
10:44
